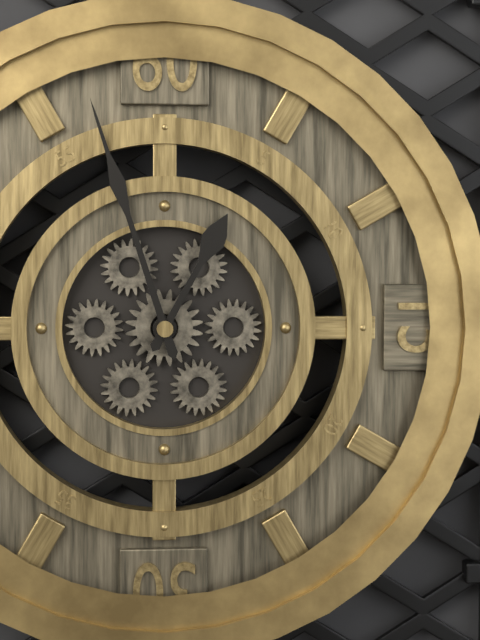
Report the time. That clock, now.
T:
12:57
